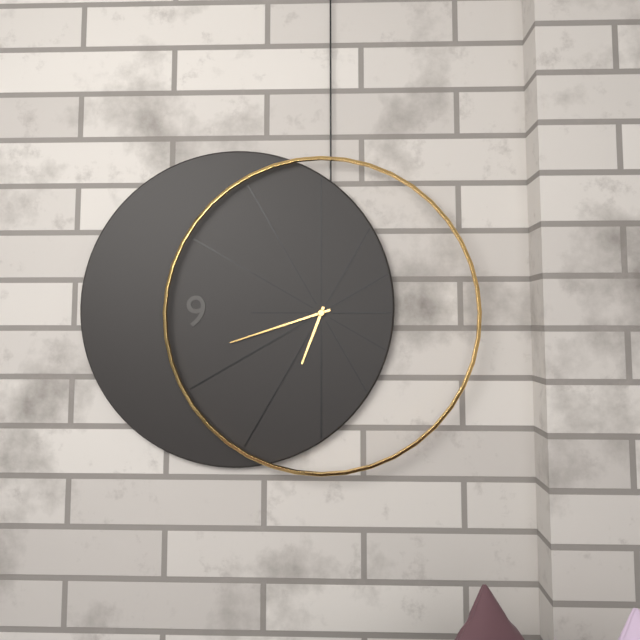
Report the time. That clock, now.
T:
6:42
